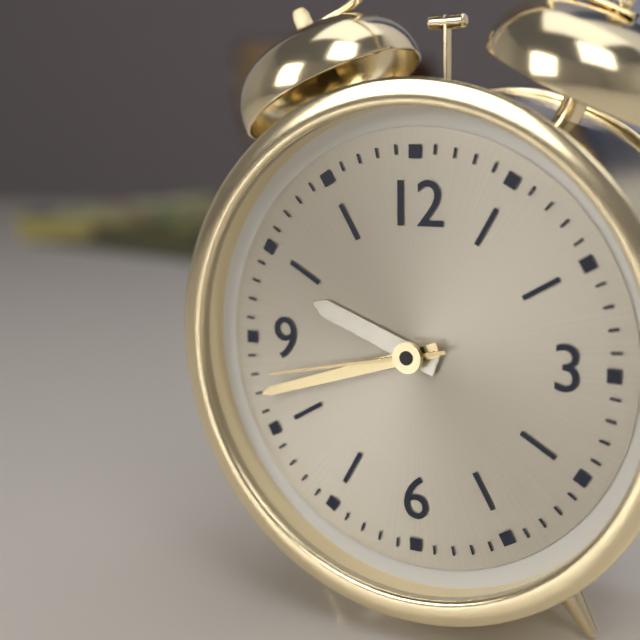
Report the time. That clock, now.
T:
9:42:43
